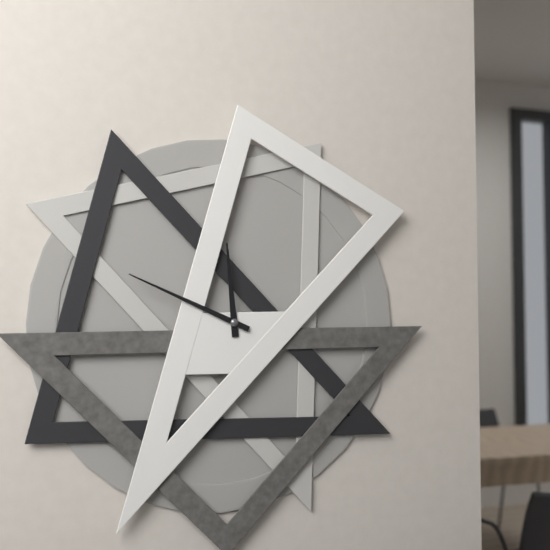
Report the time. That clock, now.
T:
11:49
